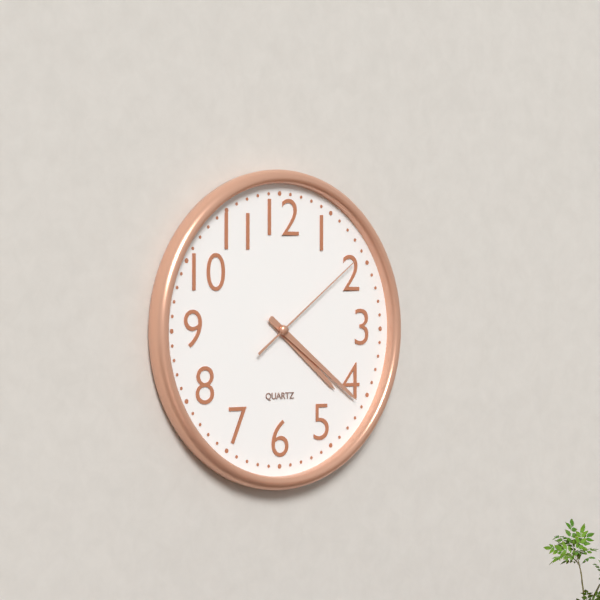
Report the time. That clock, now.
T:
4:21:09
